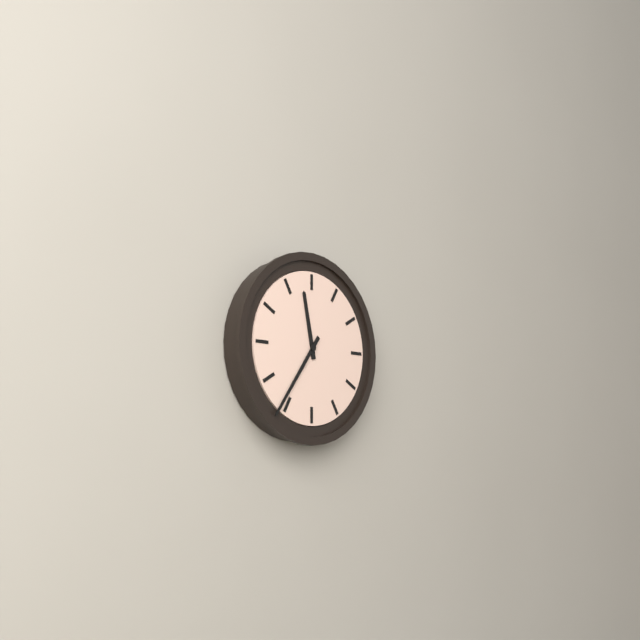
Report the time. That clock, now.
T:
11:36
